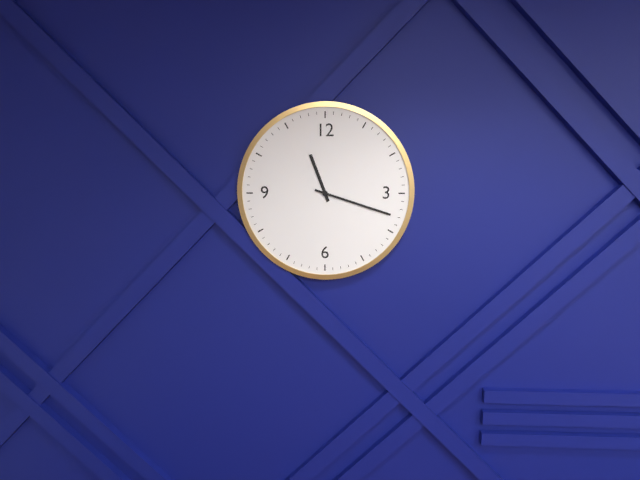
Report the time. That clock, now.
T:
11:18
